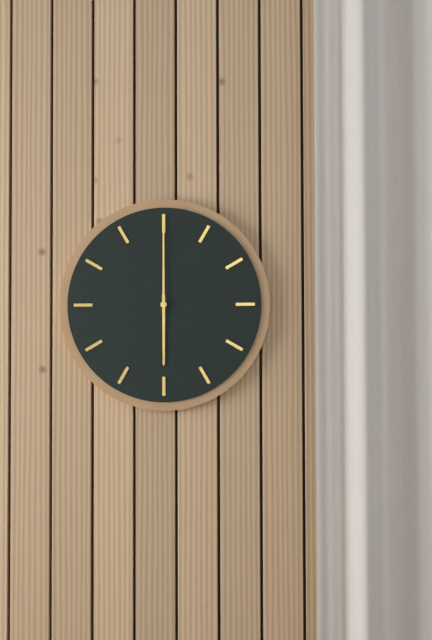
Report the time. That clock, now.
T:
6:00
